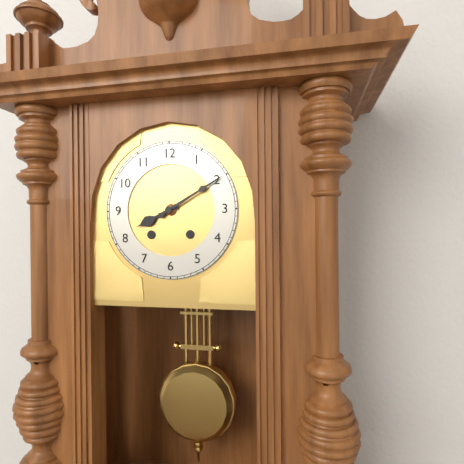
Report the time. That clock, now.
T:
8:10
